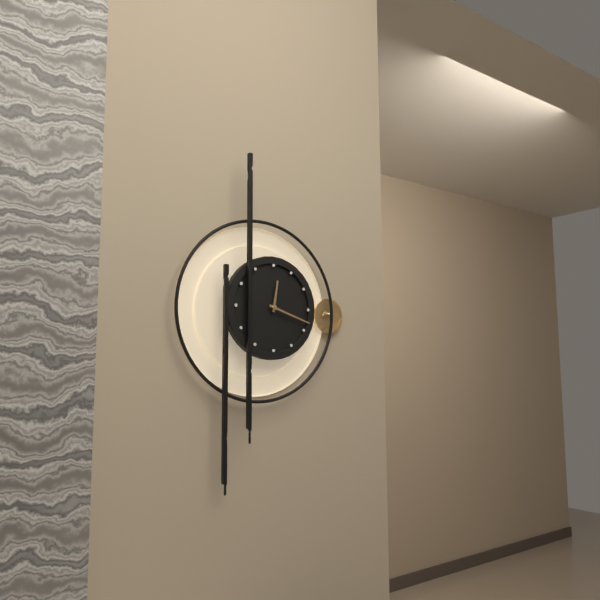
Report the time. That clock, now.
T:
12:18
